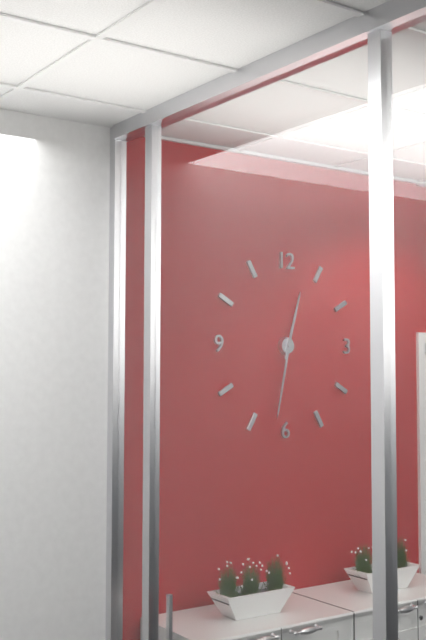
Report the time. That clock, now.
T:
12:32
